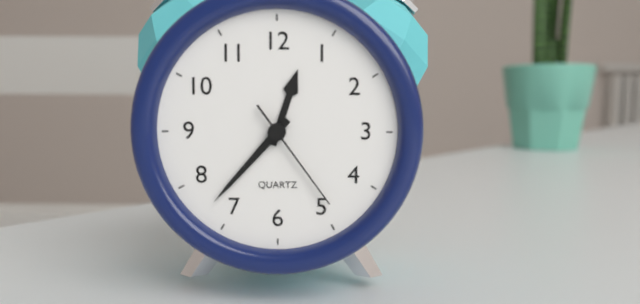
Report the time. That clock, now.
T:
12:37:24
